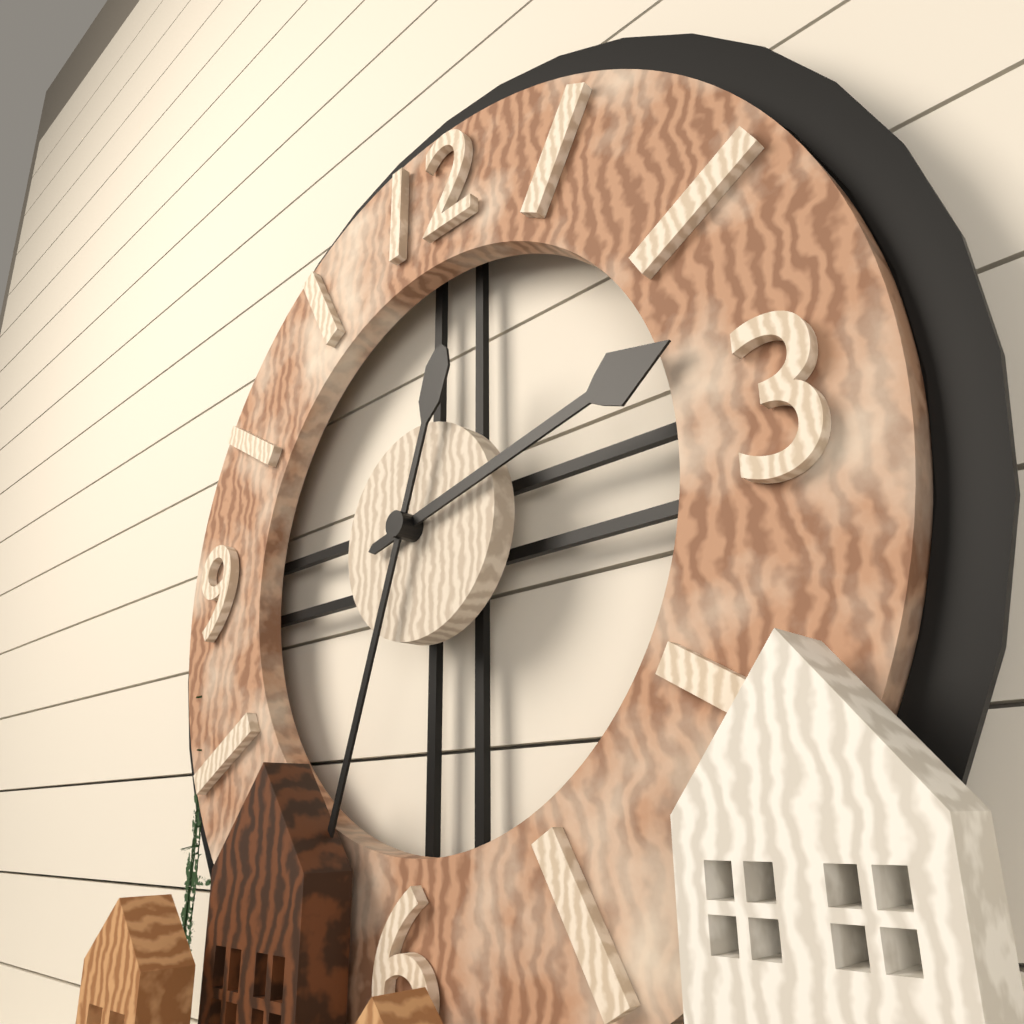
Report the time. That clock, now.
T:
2:33
